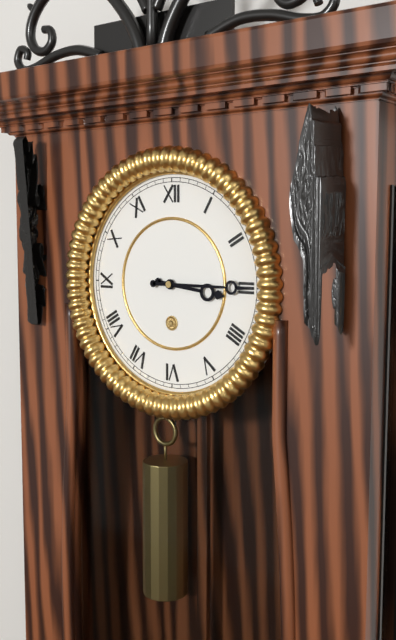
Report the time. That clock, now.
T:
3:15
